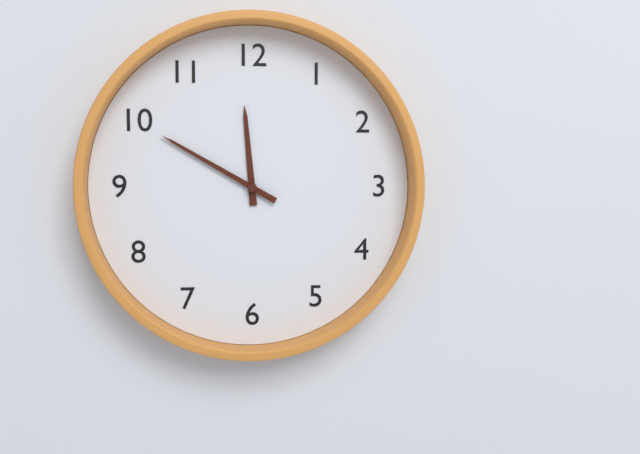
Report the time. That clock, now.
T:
11:50
